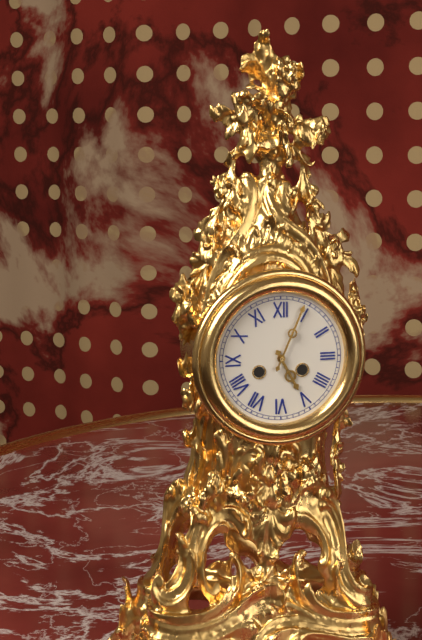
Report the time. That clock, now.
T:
5:04
